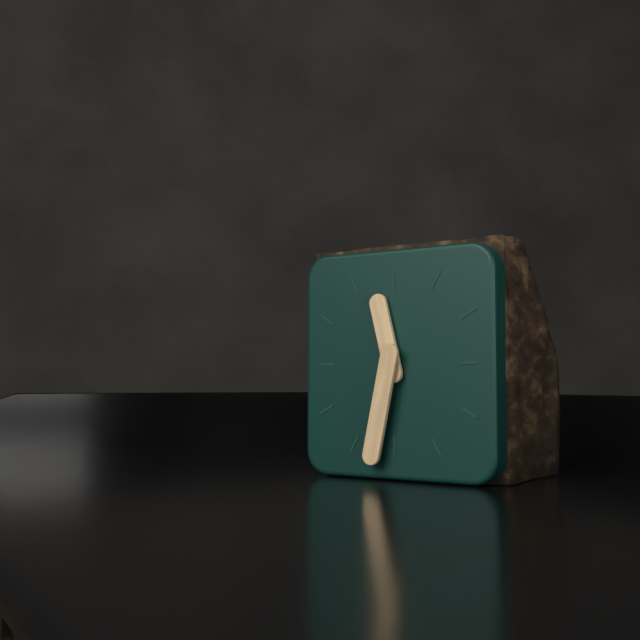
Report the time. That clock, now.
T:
11:32
